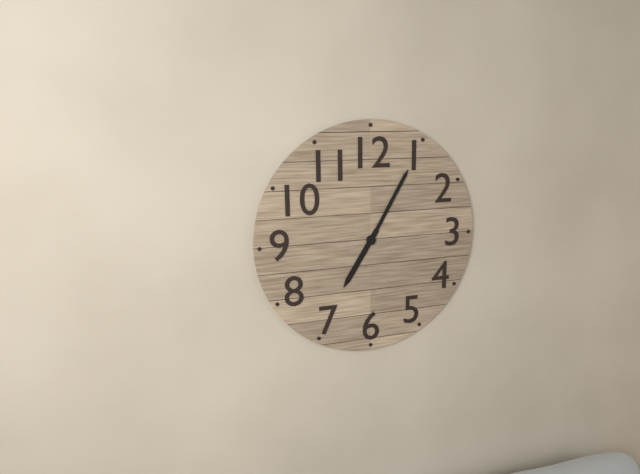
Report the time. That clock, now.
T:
7:05
